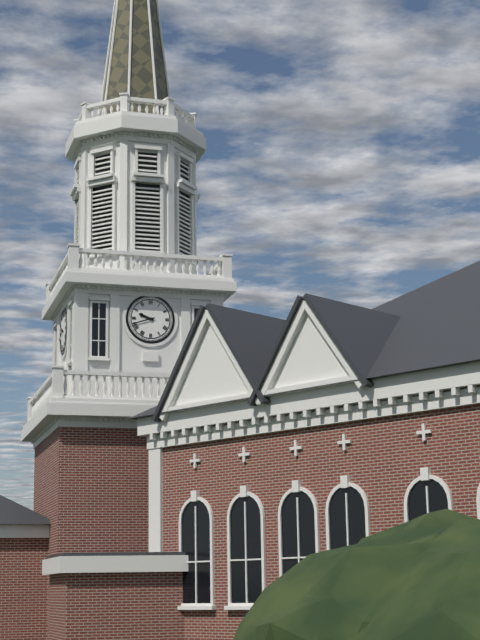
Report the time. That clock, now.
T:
9:42
